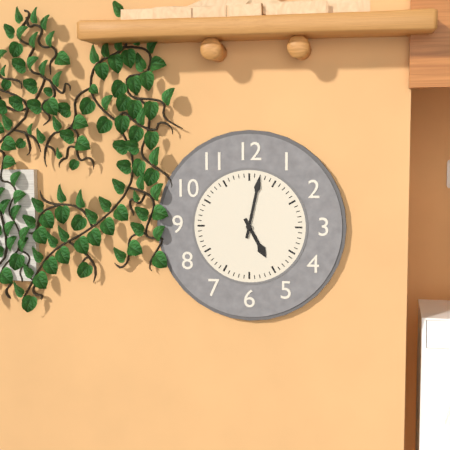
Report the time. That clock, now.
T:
5:02
